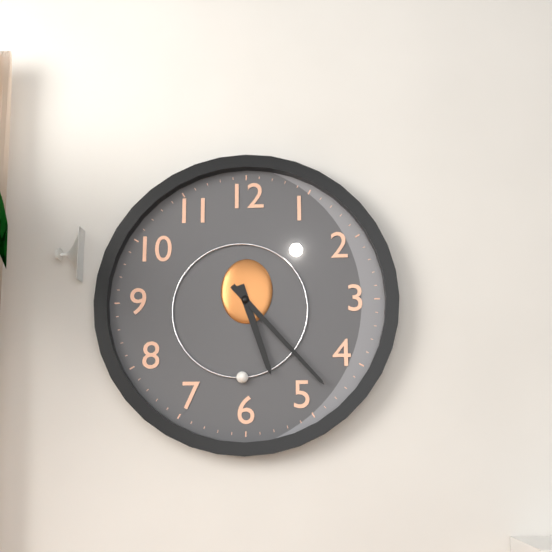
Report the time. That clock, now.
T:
5:23
